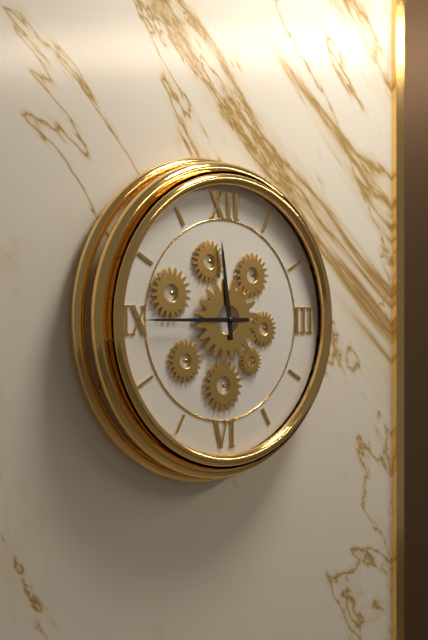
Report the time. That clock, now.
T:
11:45
